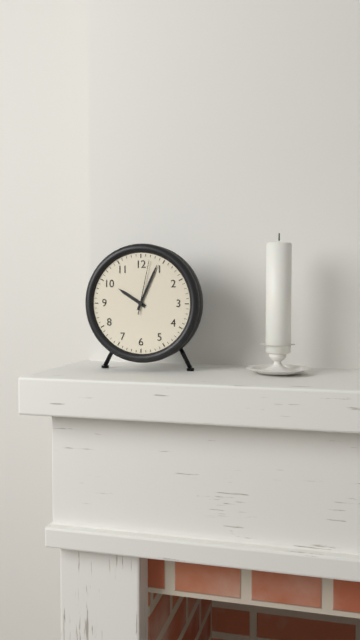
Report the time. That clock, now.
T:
10:04:02
